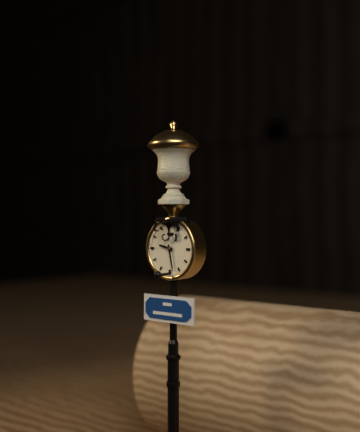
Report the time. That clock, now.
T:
9:28
